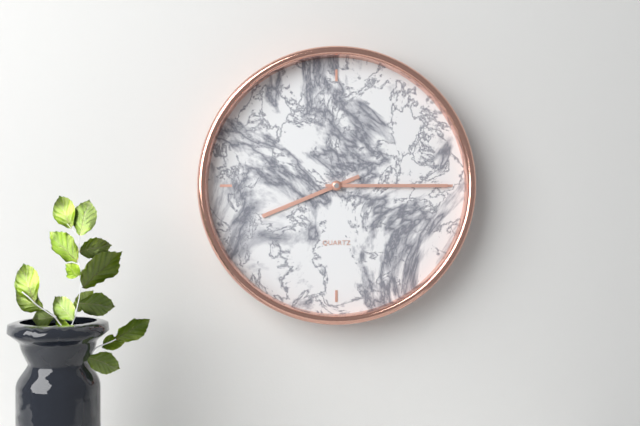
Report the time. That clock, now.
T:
8:15
